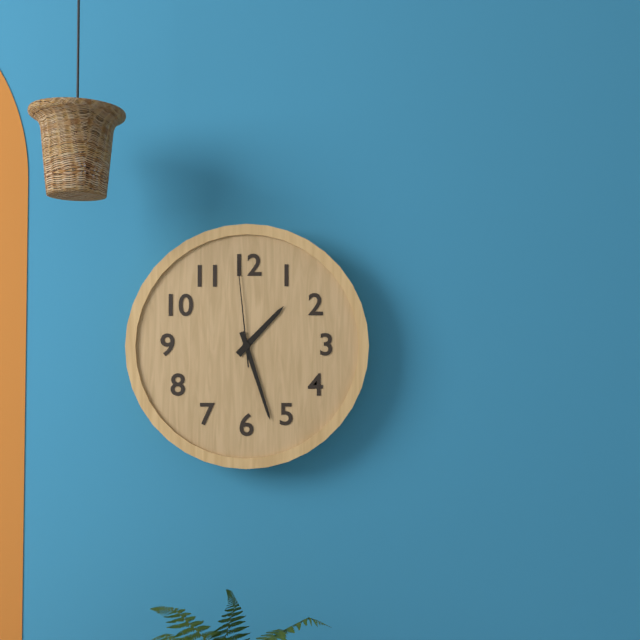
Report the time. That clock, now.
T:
1:27:59
